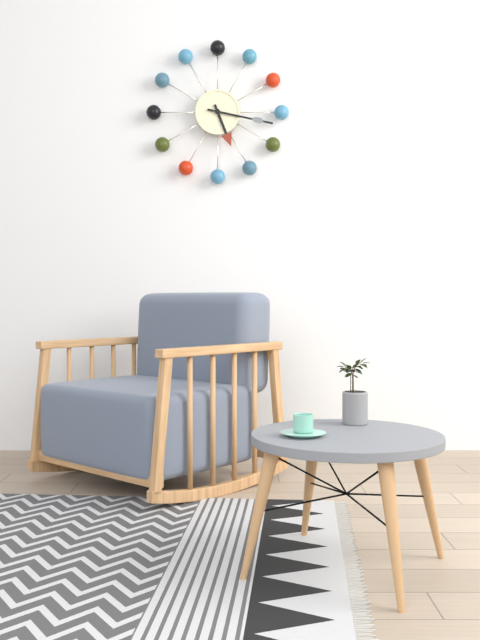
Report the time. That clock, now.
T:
5:17
